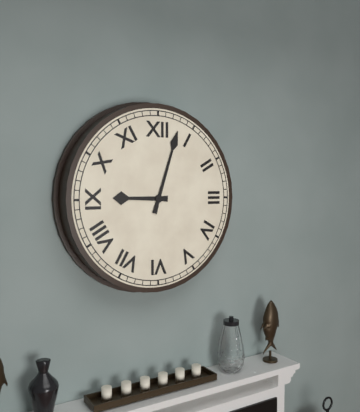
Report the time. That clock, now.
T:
9:03
